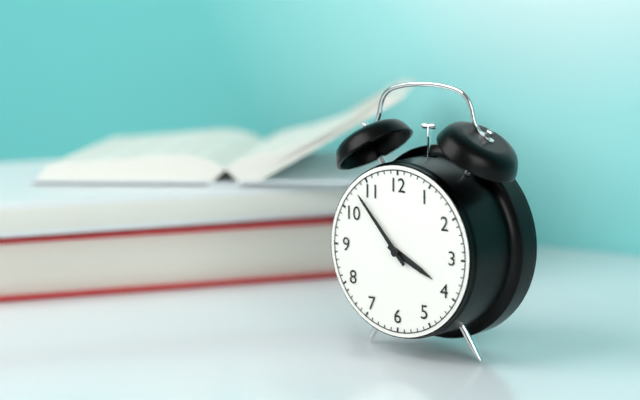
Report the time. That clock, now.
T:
3:53
